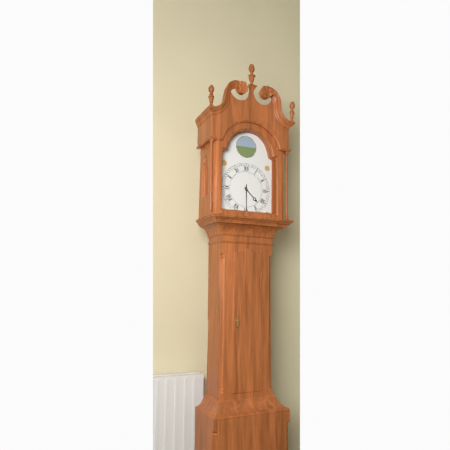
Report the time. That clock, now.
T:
4:30
